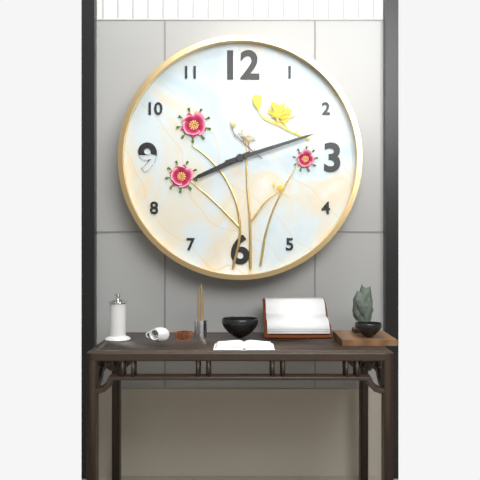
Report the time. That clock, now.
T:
8:12
